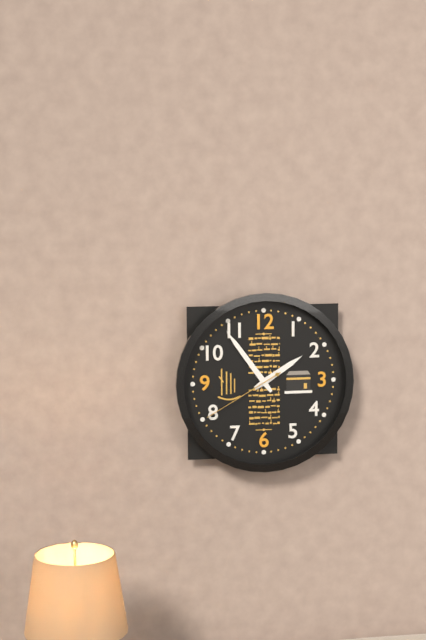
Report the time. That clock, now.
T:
1:54:40
